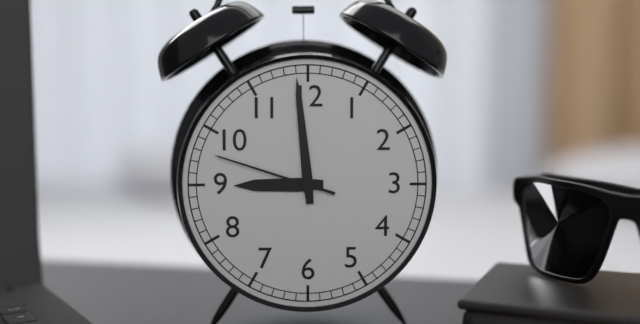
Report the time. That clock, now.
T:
8:59:48
